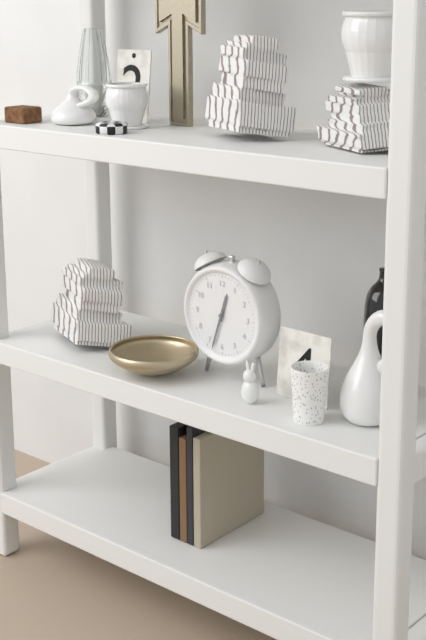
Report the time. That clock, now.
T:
12:33
